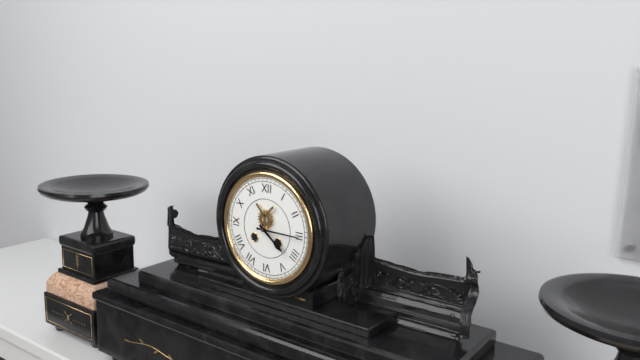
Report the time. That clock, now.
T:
4:15
